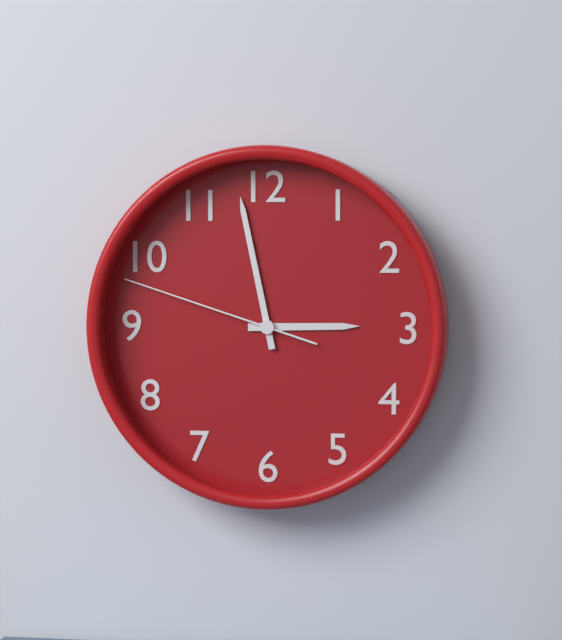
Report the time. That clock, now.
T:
2:58:48
